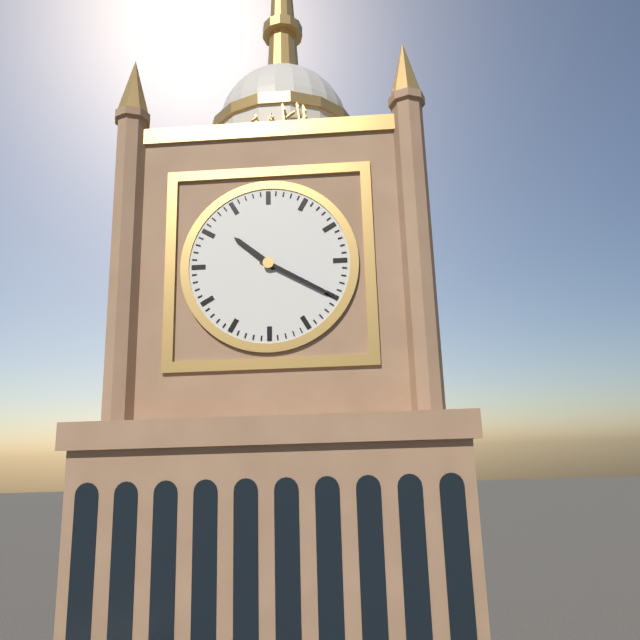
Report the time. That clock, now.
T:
10:20
